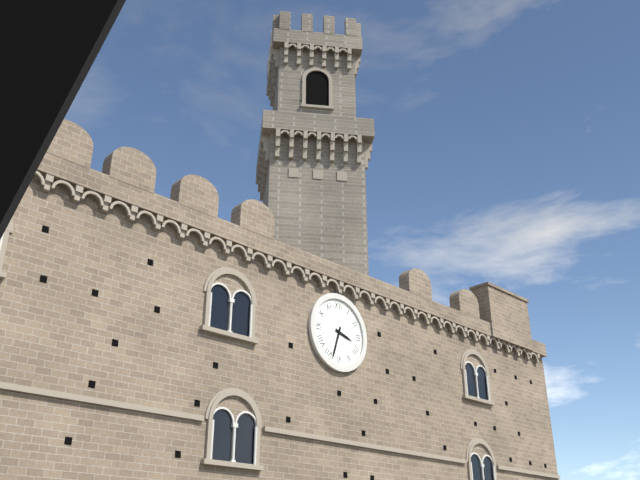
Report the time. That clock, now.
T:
3:33
